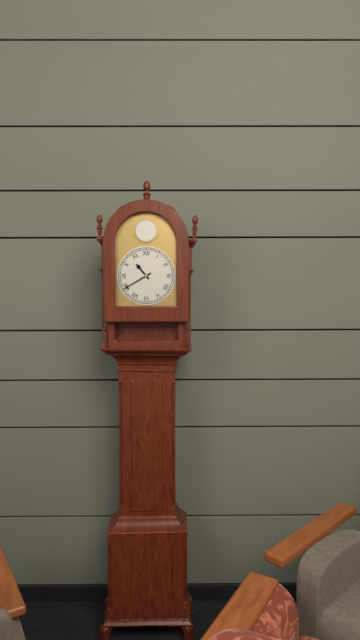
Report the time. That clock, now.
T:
10:40
